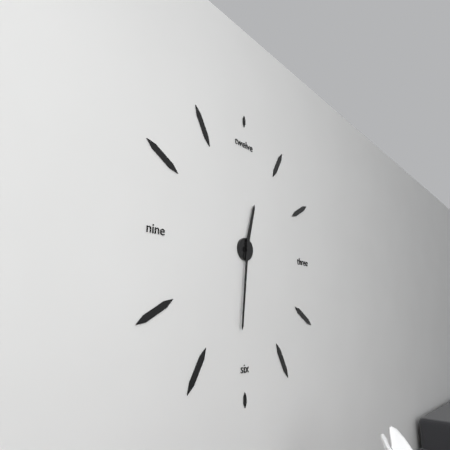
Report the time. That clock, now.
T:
12:31
